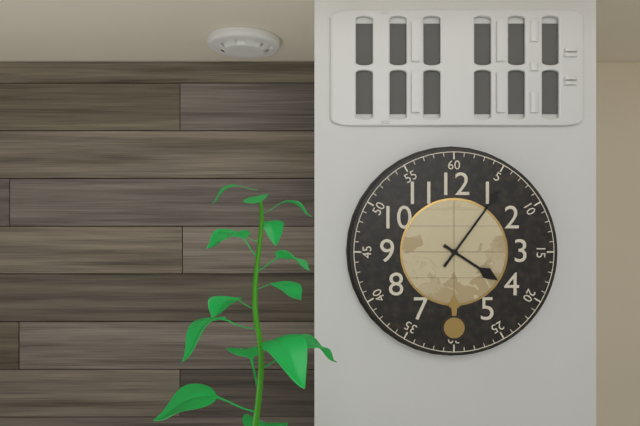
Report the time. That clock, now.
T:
4:06
